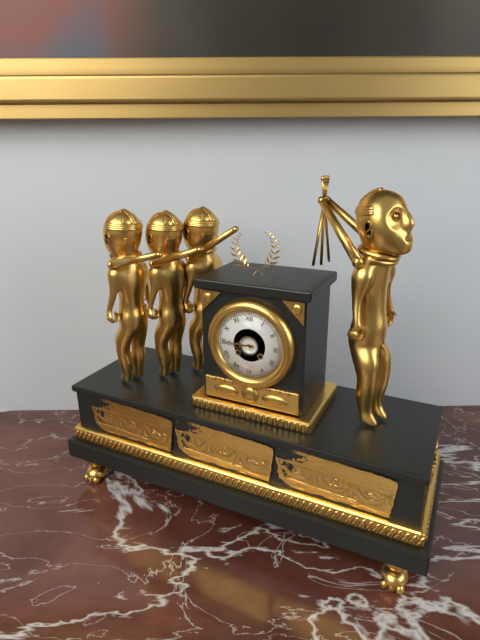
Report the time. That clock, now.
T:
8:45
